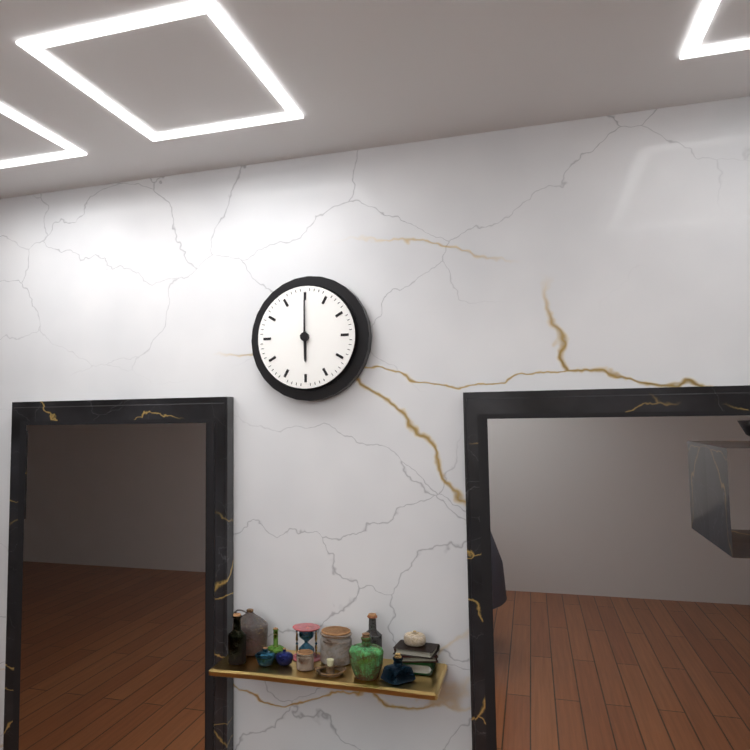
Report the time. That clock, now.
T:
6:00
